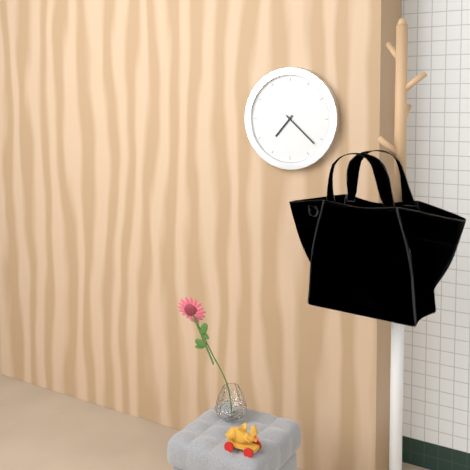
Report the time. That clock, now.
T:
7:22
